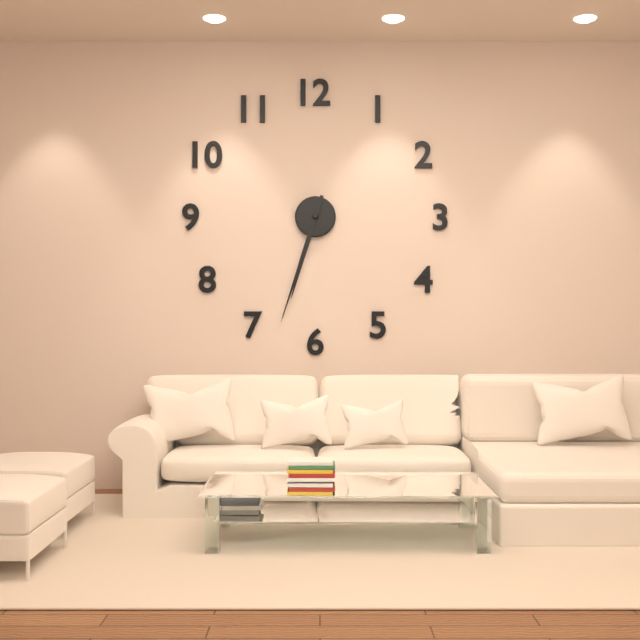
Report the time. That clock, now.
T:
6:33
